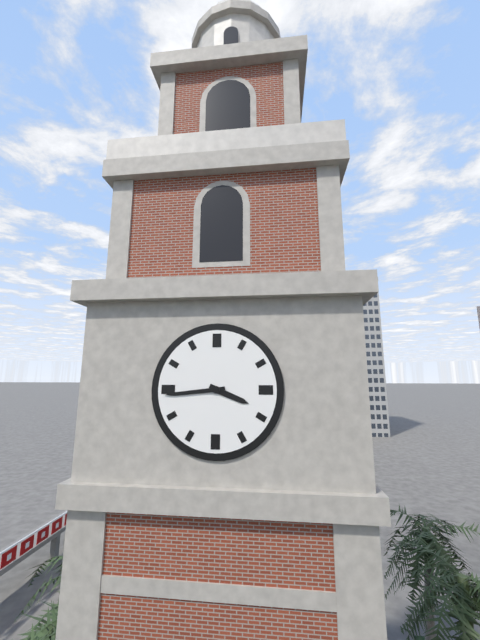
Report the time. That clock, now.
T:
3:44
